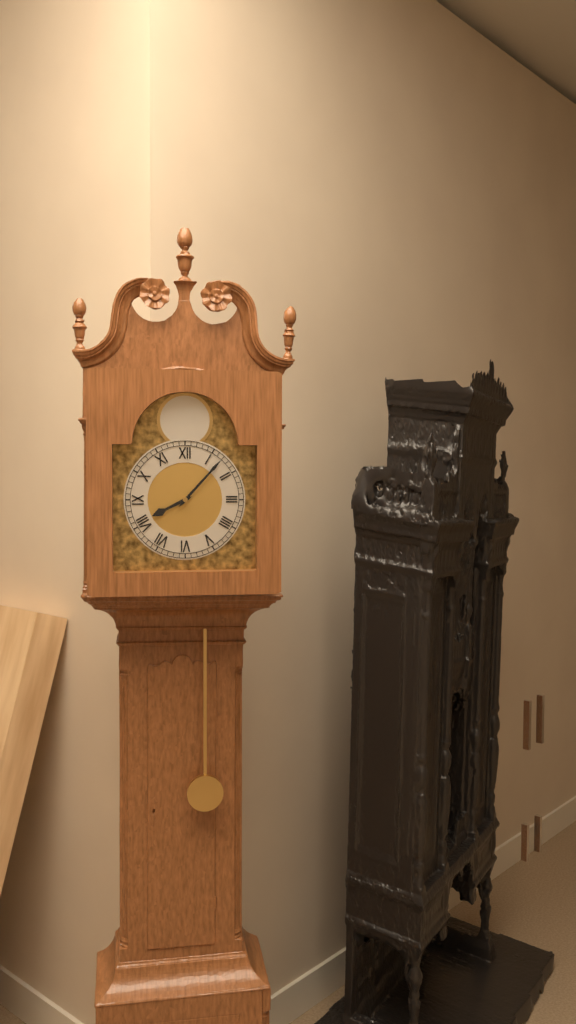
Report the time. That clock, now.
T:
8:07
